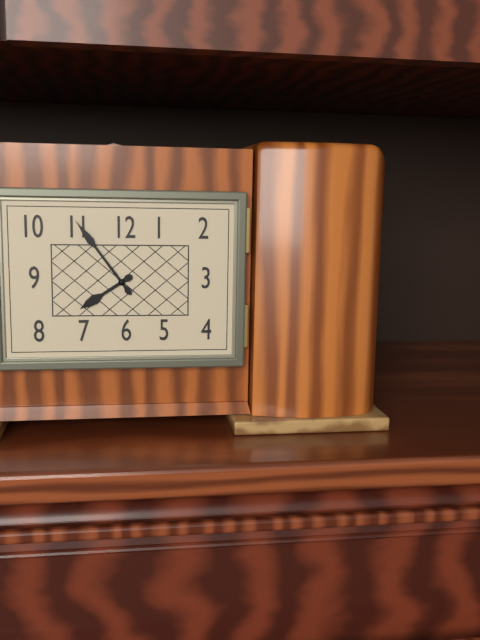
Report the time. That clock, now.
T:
7:54
